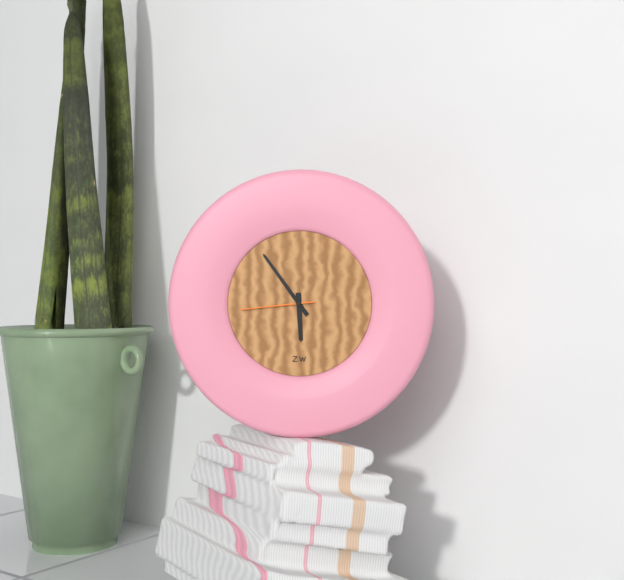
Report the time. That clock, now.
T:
5:54:44
